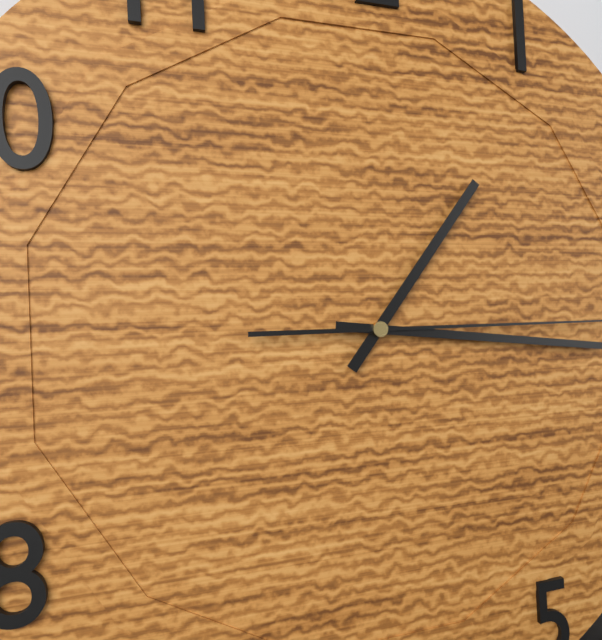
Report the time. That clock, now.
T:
1:16
